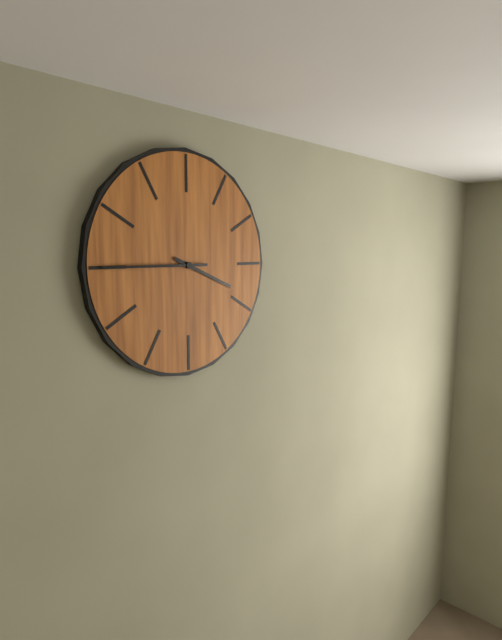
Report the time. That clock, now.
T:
3:45
